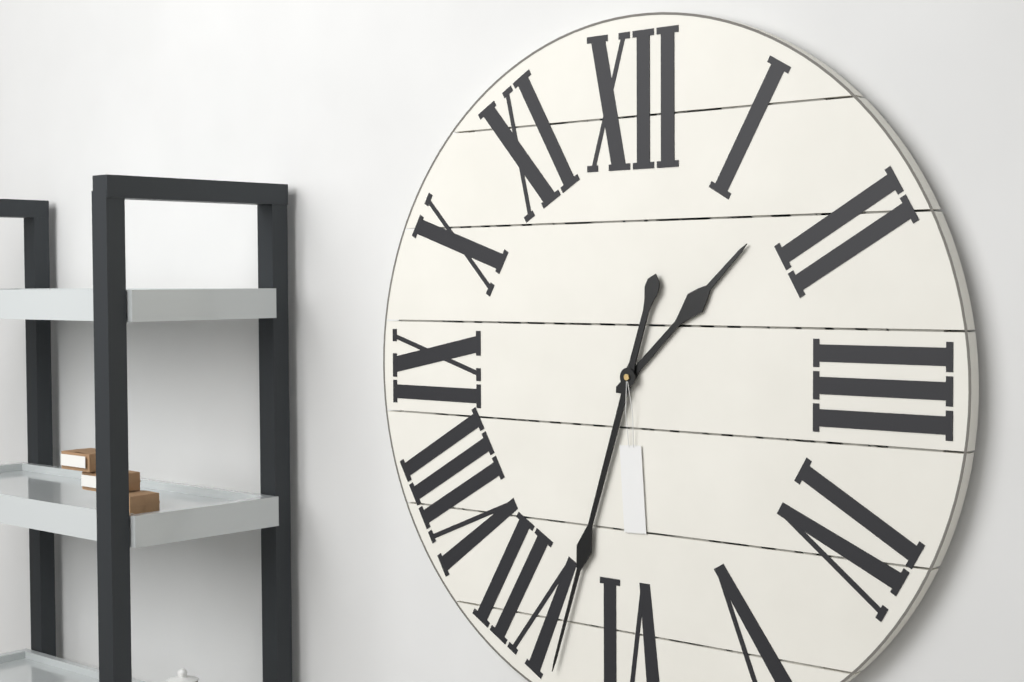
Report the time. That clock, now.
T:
1:33
